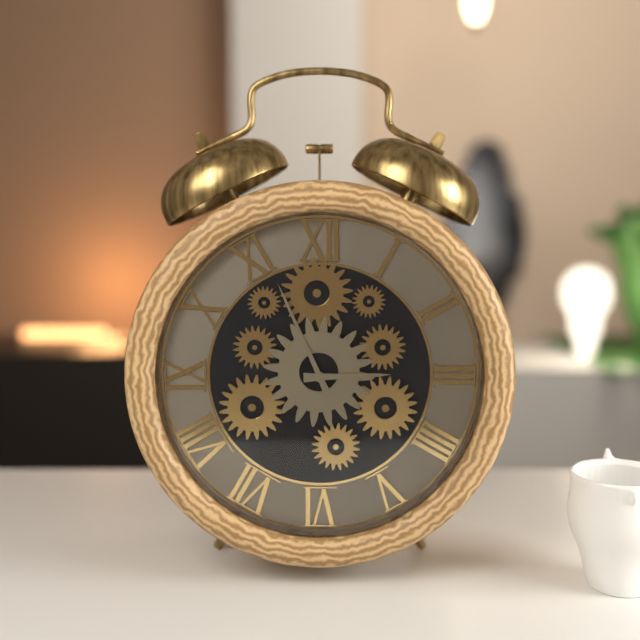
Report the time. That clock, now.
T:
2:56
